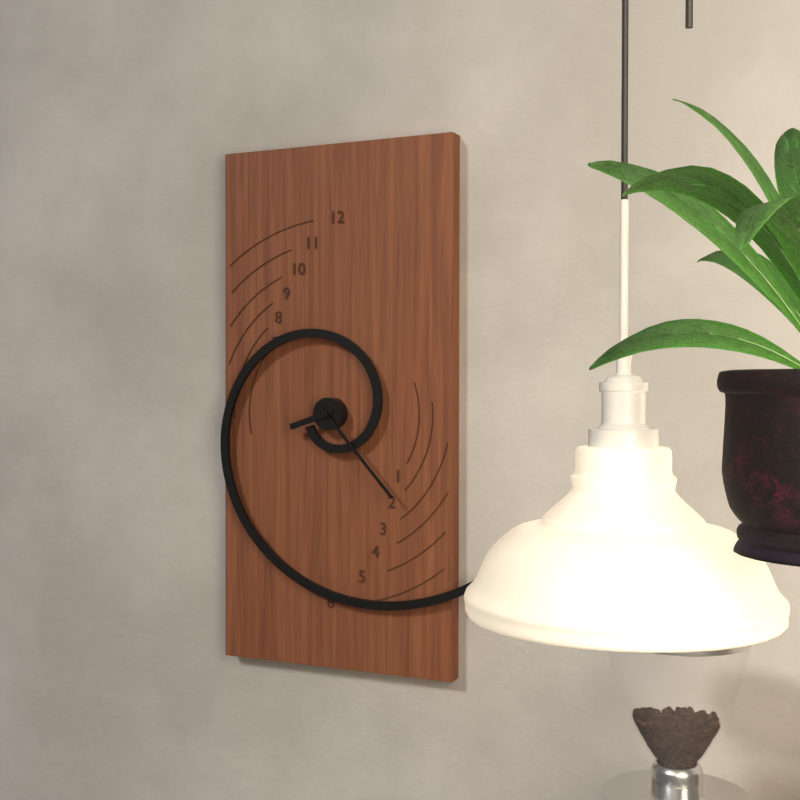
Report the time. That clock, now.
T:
8:23
